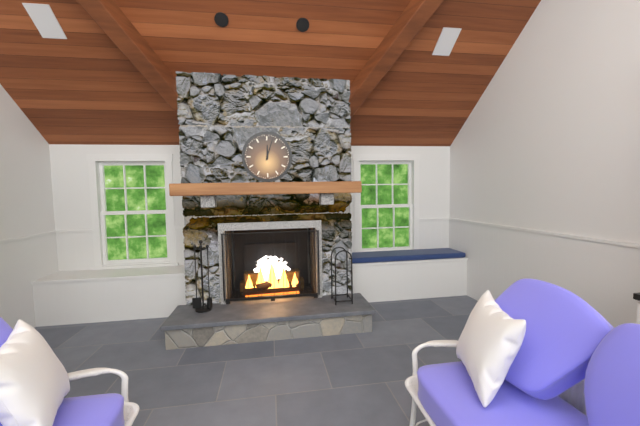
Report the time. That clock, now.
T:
12:03
